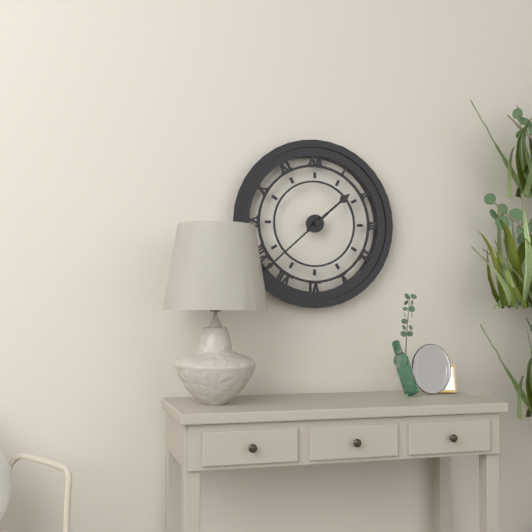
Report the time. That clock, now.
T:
1:38
